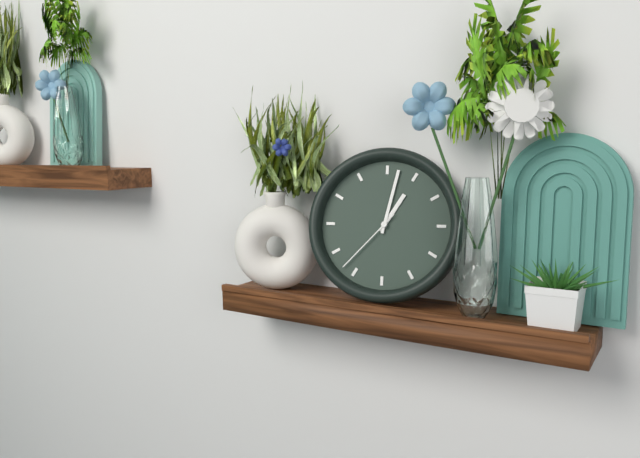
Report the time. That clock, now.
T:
1:02:37
